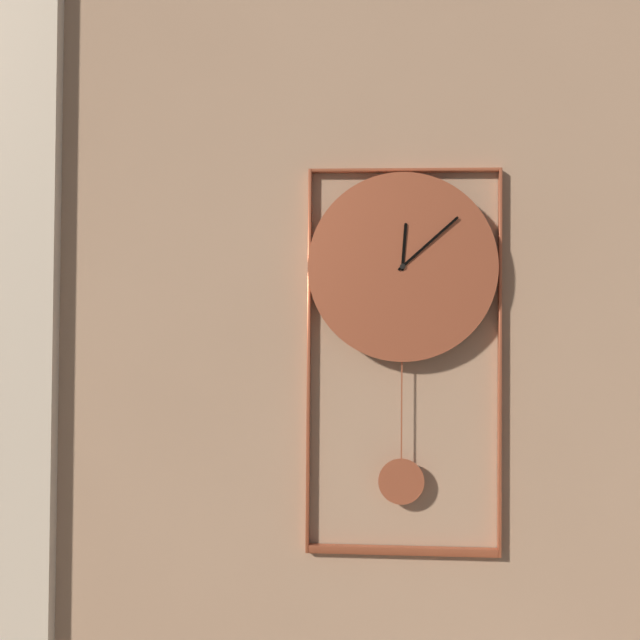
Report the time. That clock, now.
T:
12:08
